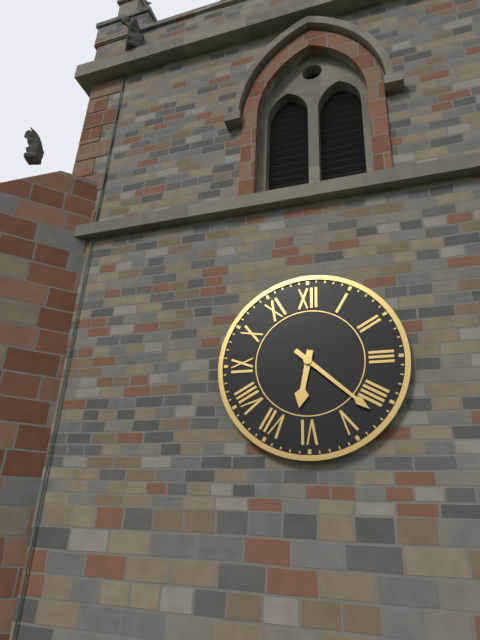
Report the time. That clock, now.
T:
6:22
